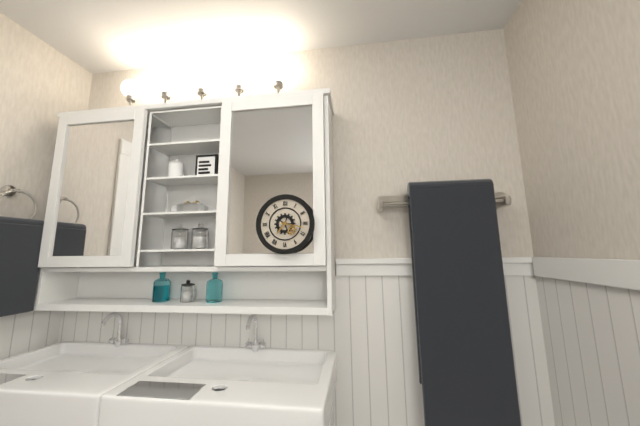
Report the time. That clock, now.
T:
7:17
